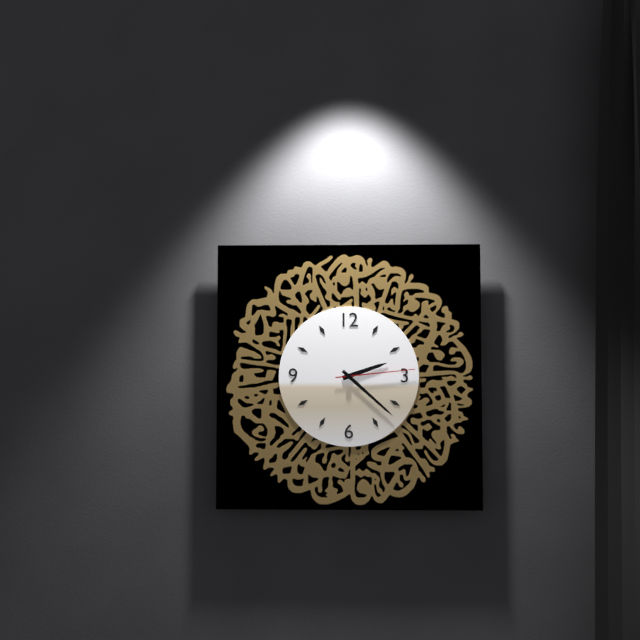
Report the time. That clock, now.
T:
2:22:14
